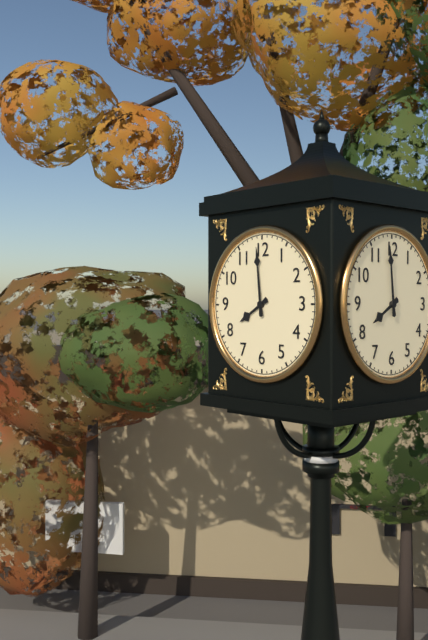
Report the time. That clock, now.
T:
7:59
